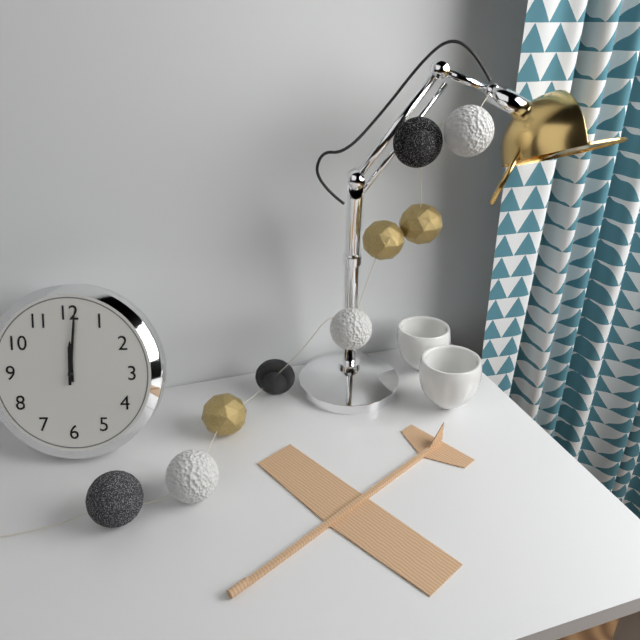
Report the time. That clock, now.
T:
12:01
